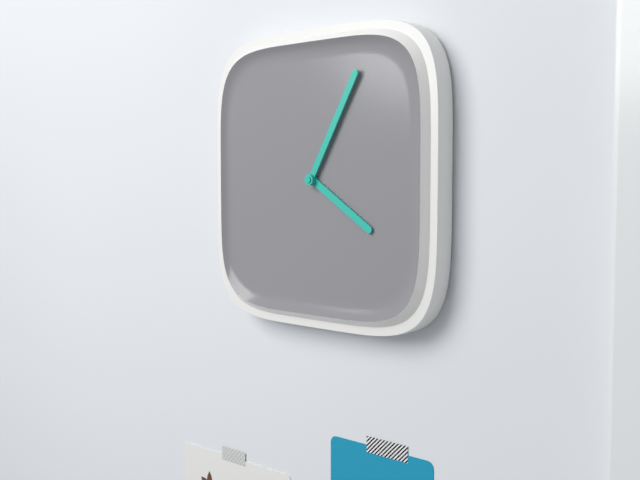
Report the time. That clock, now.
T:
4:05
